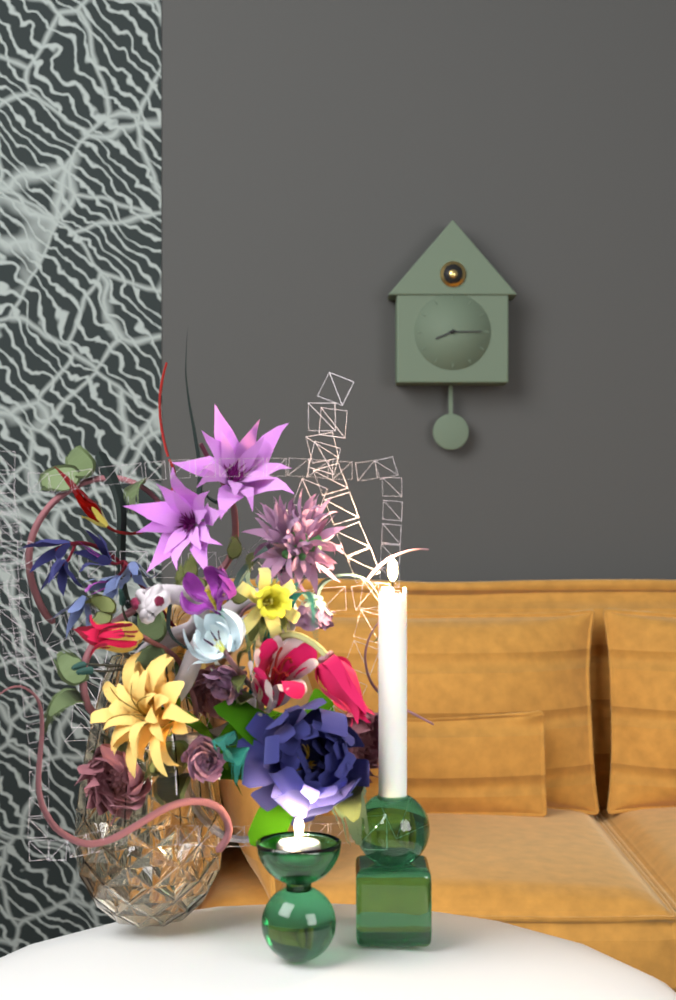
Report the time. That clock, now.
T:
8:15
